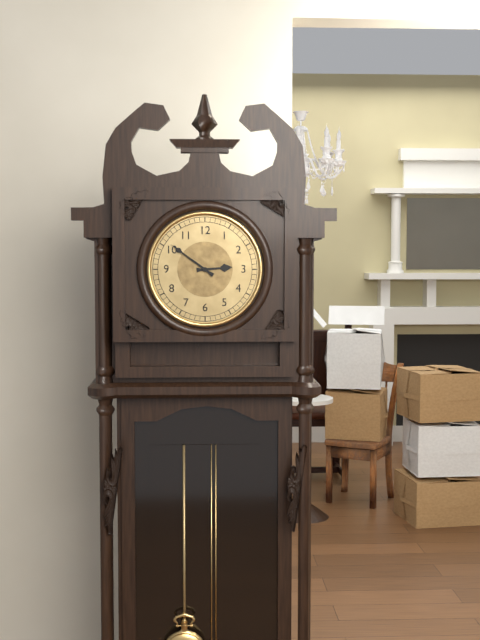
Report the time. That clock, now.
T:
2:51
